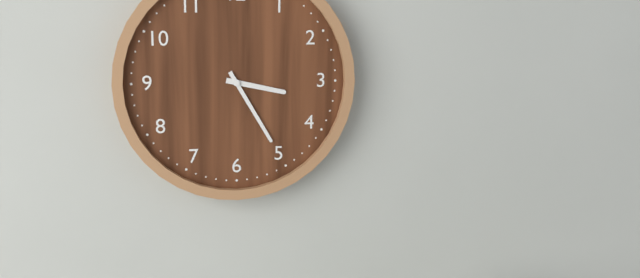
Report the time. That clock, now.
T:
3:25
